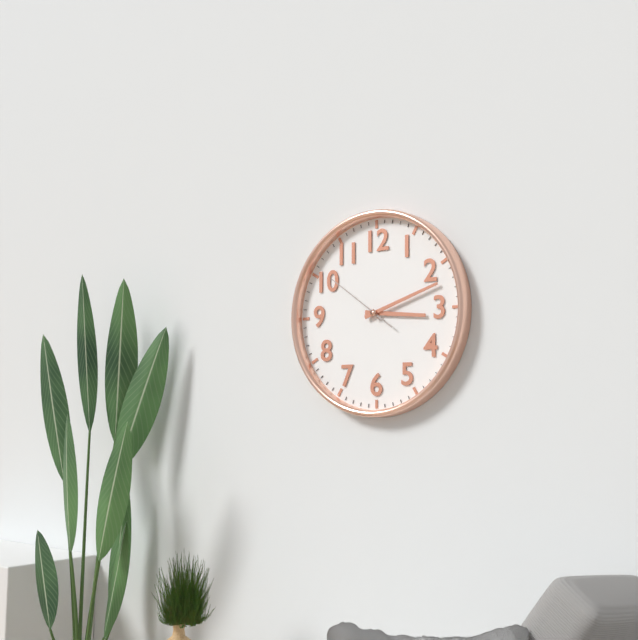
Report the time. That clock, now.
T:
3:12:51
